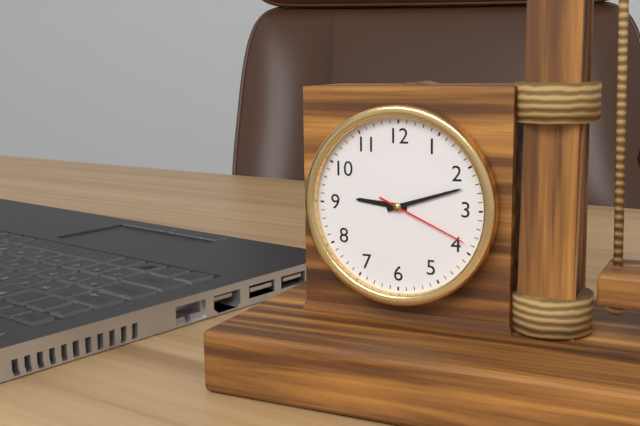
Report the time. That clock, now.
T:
9:12:19
